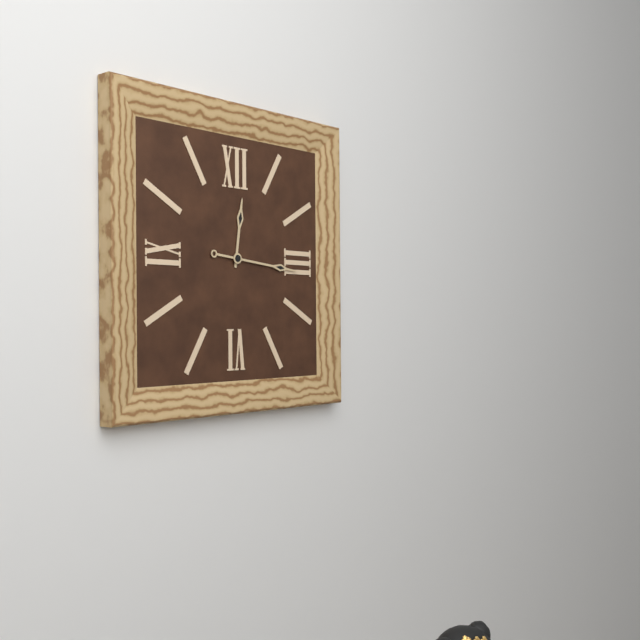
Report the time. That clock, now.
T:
12:16
